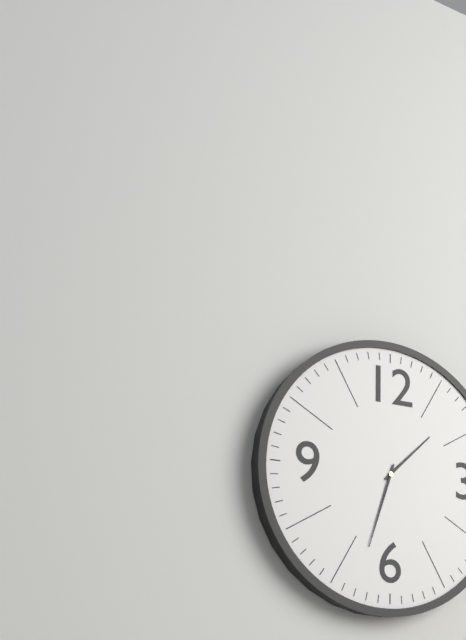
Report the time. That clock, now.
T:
1:33
